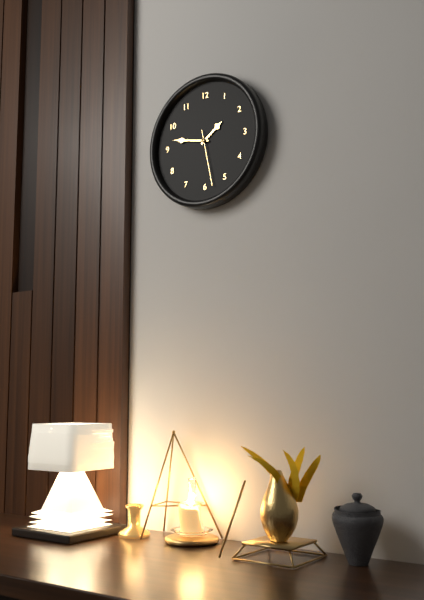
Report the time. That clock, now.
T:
1:47:28
